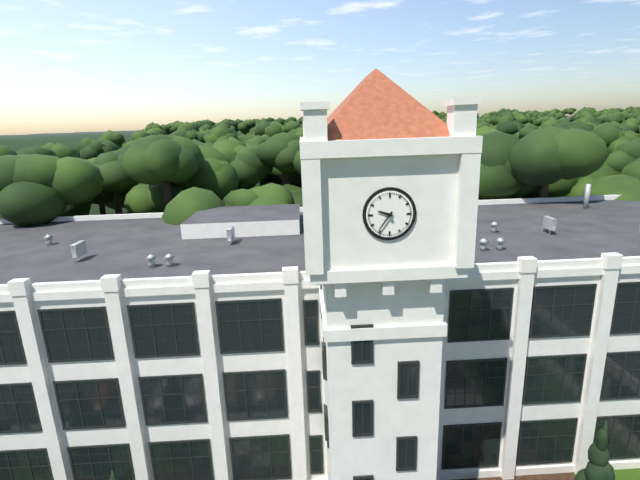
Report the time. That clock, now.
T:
9:36
